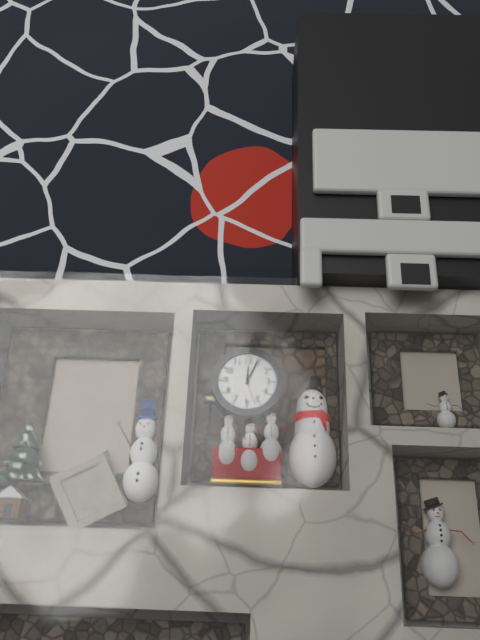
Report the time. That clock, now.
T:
12:04
